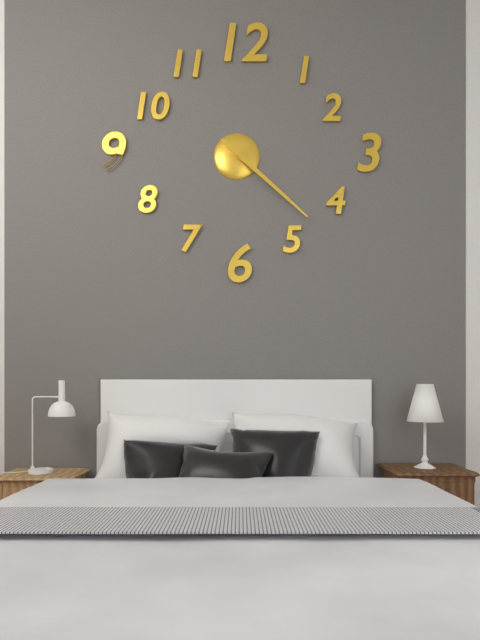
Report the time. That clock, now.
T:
4:22
